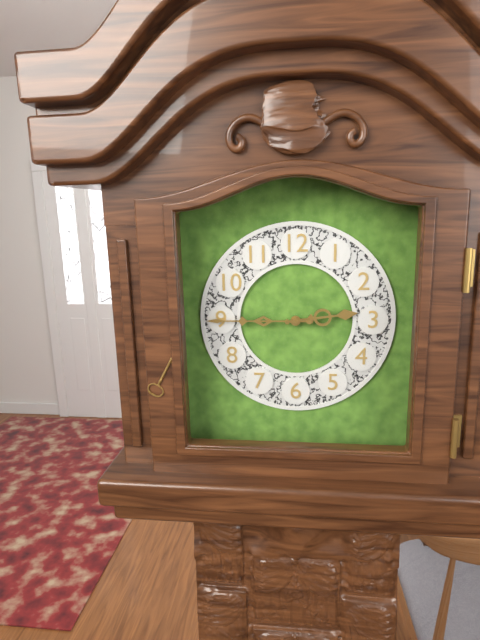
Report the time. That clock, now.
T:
2:45
